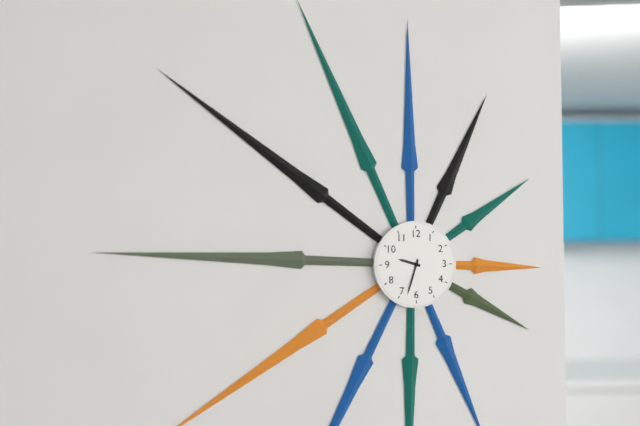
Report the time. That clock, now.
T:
9:33
